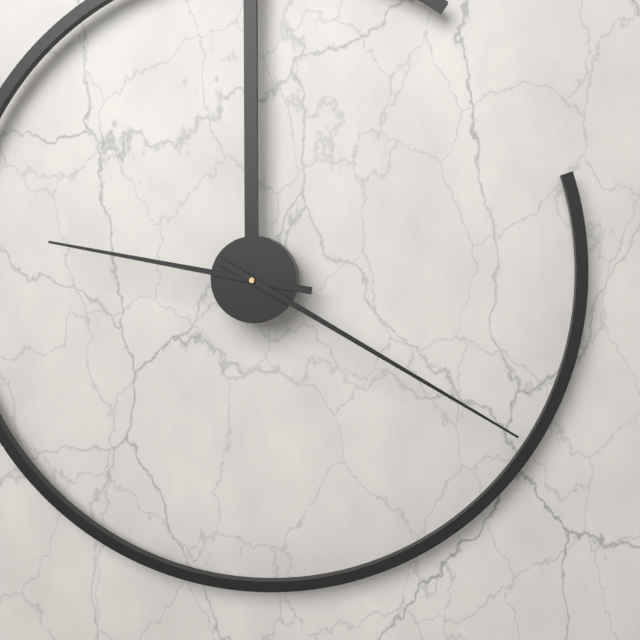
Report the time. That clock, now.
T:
9:20
